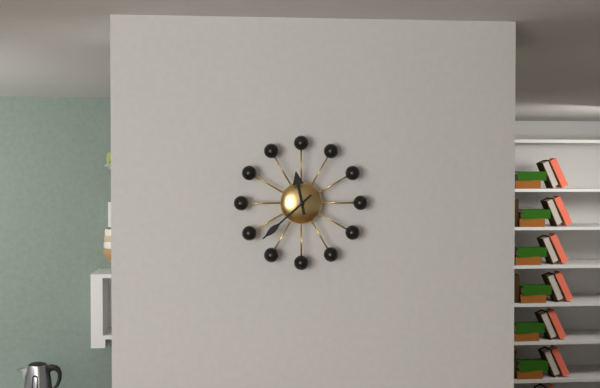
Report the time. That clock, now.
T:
11:38
